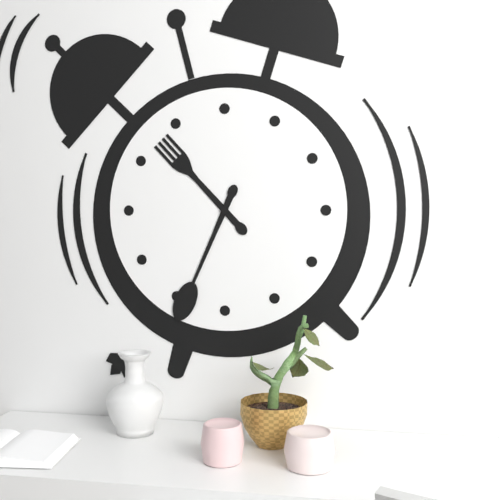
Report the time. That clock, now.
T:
10:34
